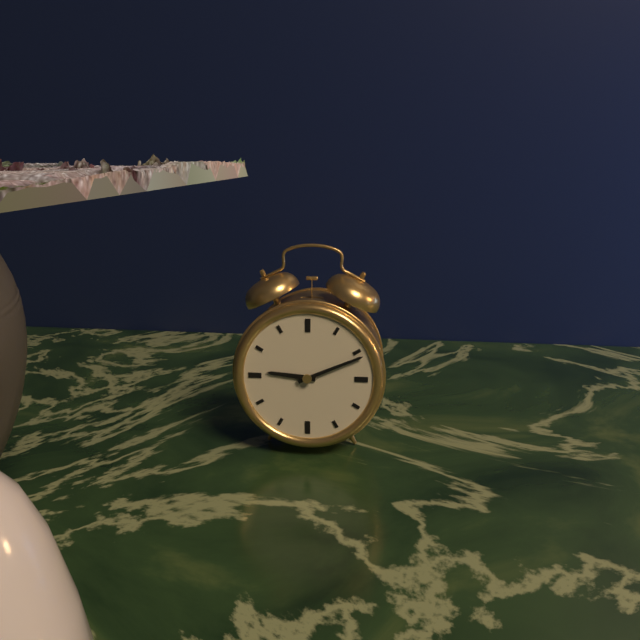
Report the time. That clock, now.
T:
9:11
